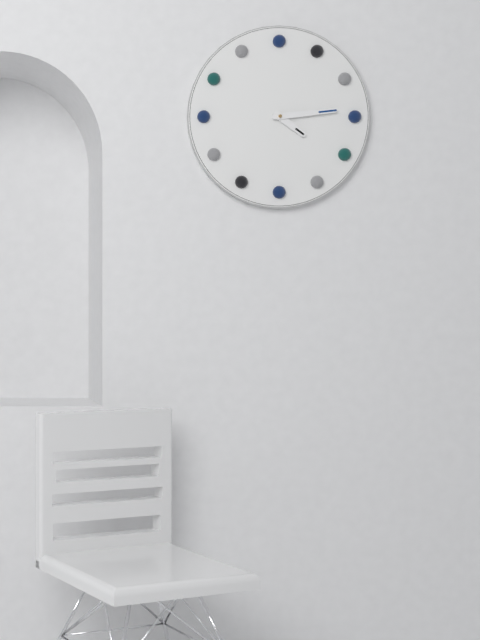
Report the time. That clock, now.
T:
4:14
